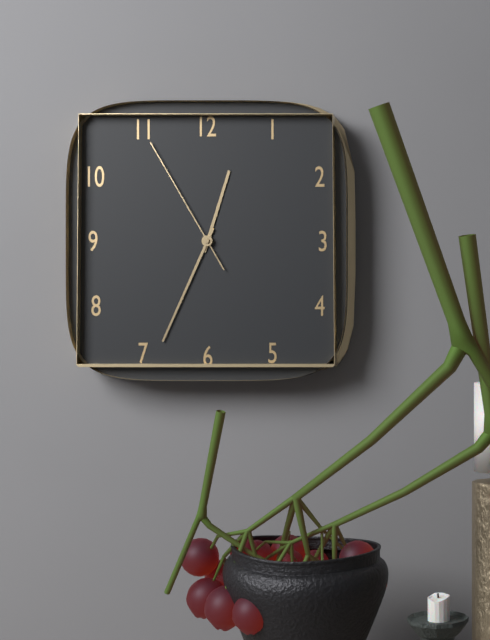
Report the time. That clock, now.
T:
12:34:55
